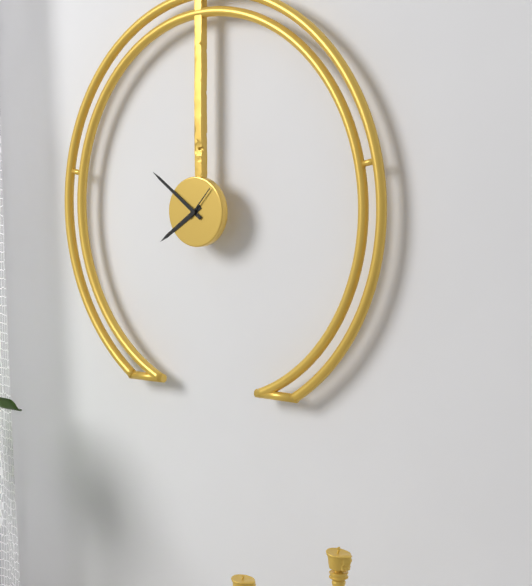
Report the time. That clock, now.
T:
7:51
